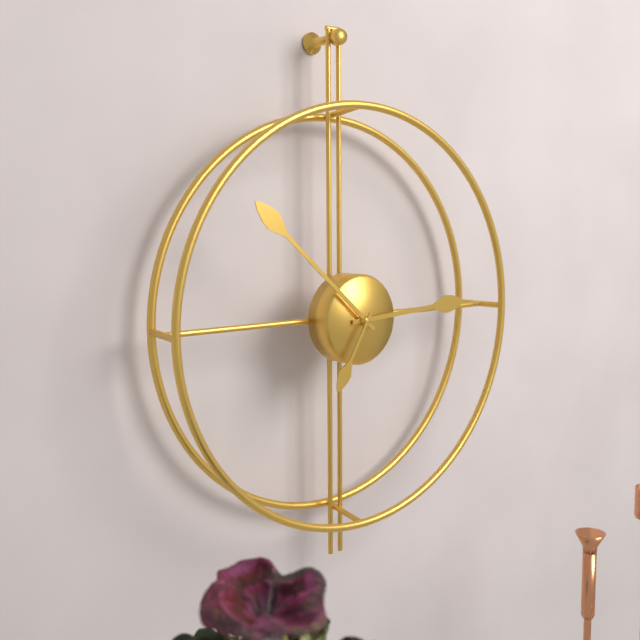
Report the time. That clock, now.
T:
2:52:35
